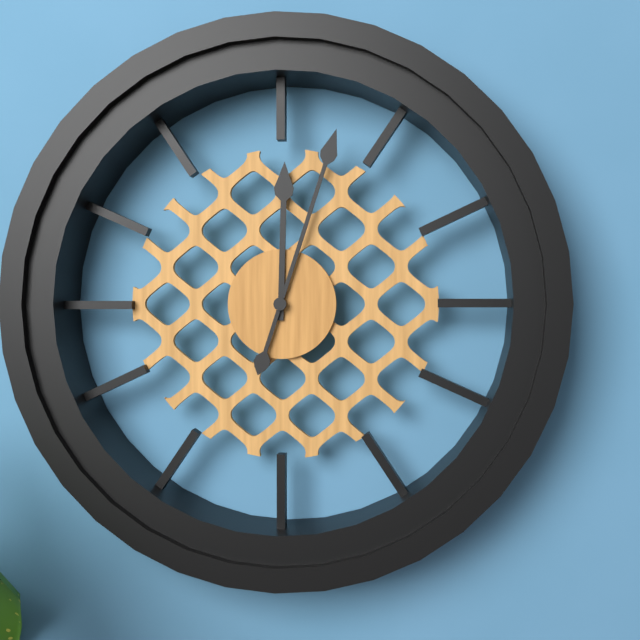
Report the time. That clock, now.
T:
12:03
